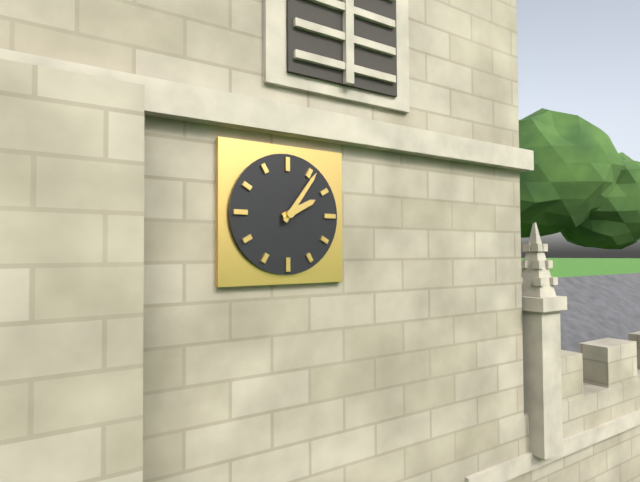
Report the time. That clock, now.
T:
2:06
